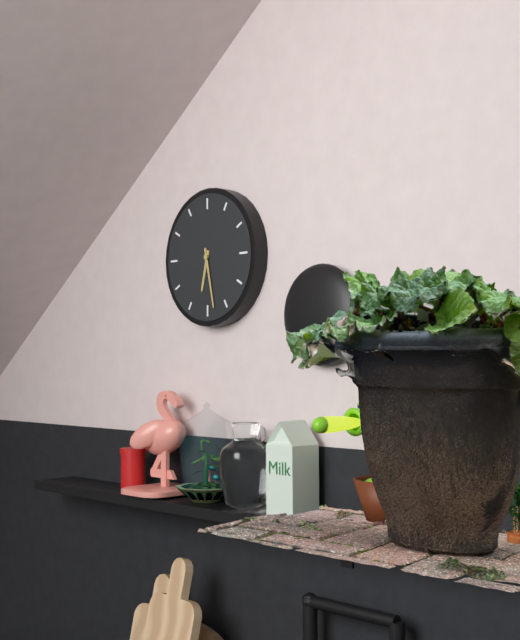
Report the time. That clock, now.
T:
6:28
